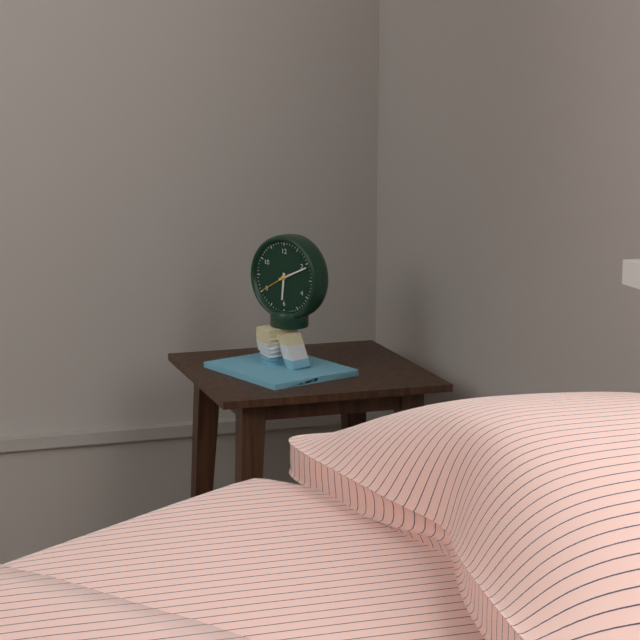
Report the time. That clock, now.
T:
6:11
